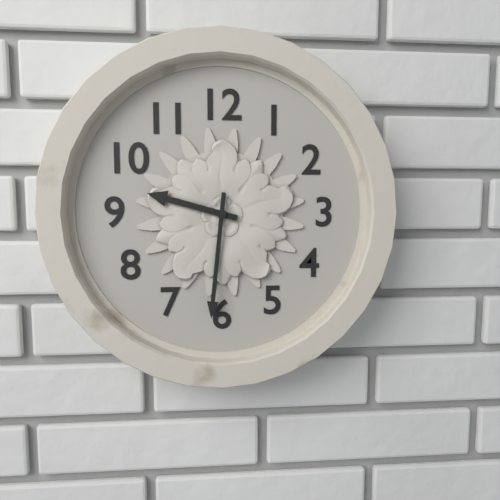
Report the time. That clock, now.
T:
9:31
